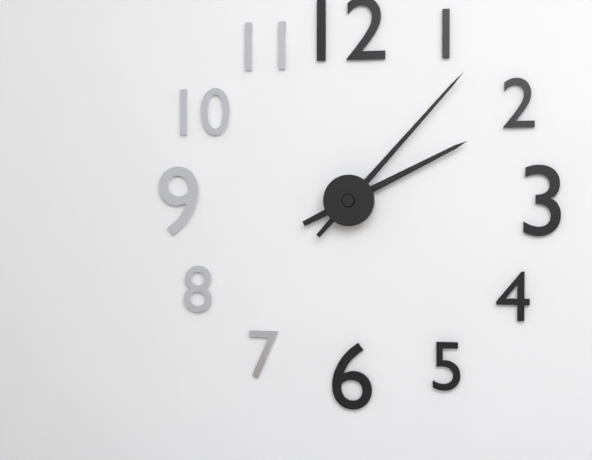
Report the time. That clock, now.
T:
2:07
